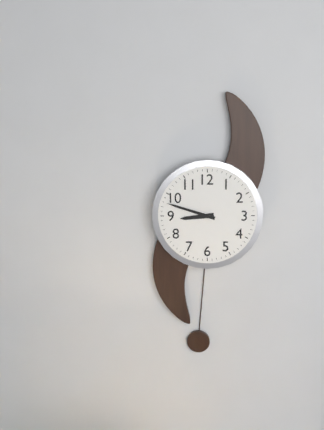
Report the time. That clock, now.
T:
8:48
